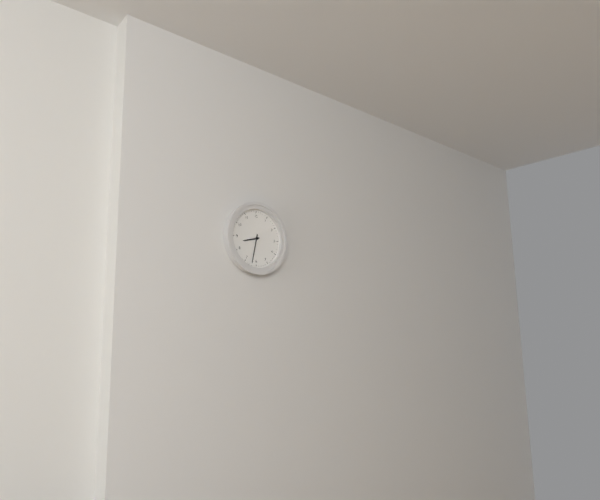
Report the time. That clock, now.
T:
8:32
